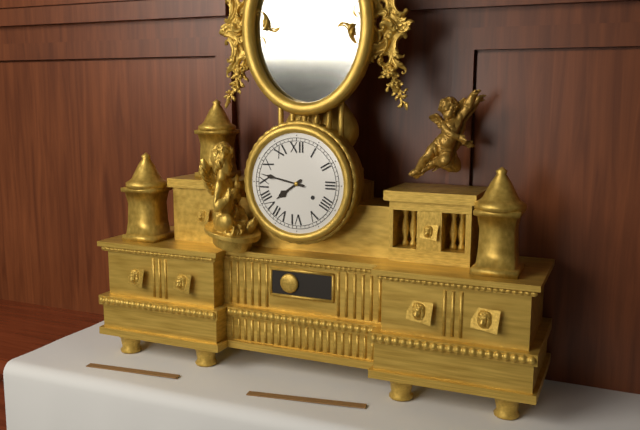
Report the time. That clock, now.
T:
7:47
